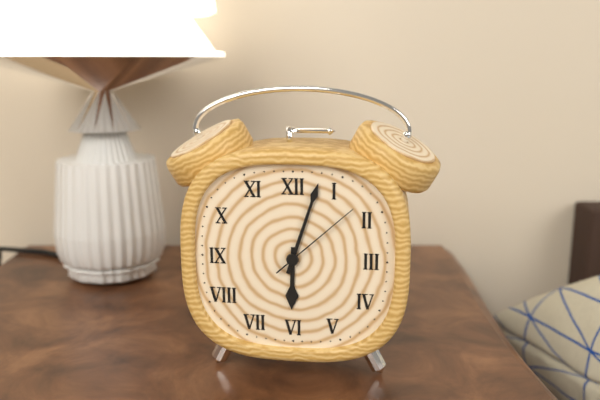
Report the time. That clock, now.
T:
6:03:08
